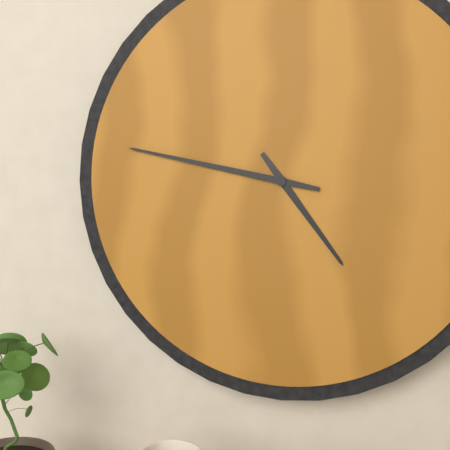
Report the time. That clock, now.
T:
4:47
